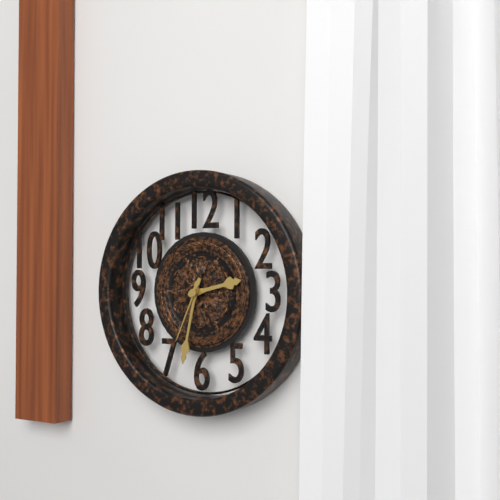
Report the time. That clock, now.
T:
2:32:34
